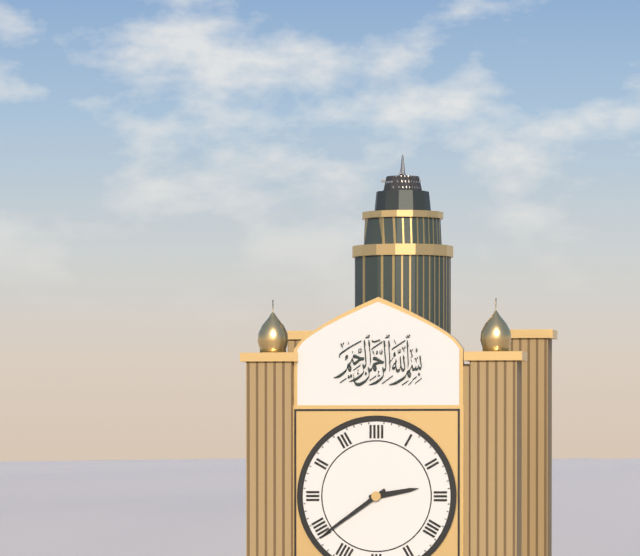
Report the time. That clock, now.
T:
2:39
